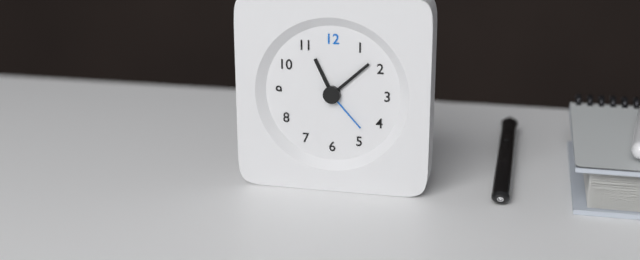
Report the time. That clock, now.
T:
11:08:23
